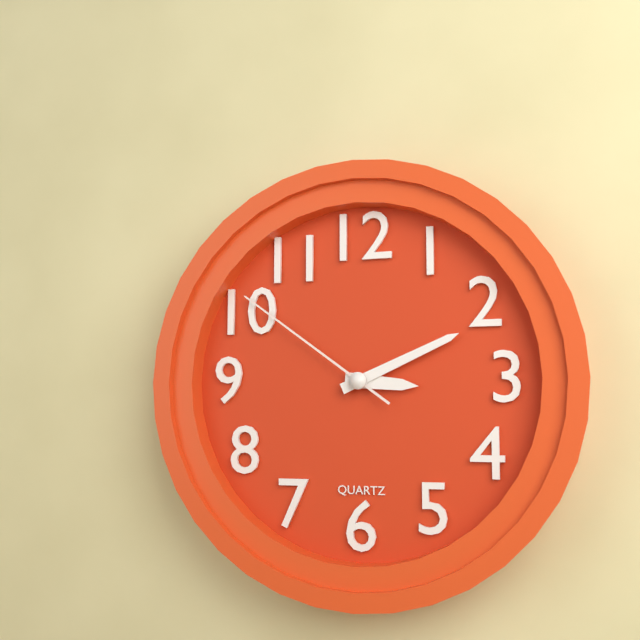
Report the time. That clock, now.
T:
3:11:51
